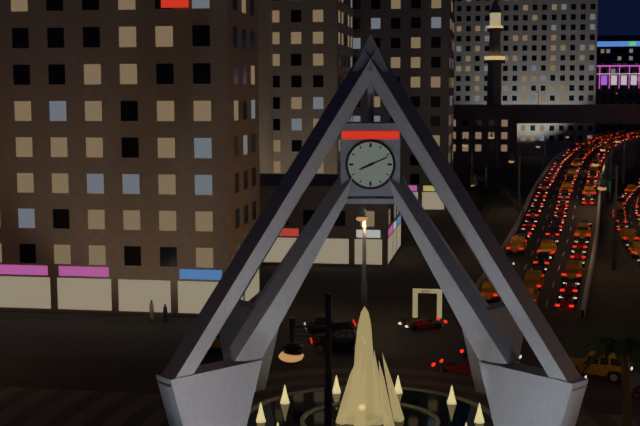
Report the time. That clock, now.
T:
8:11
